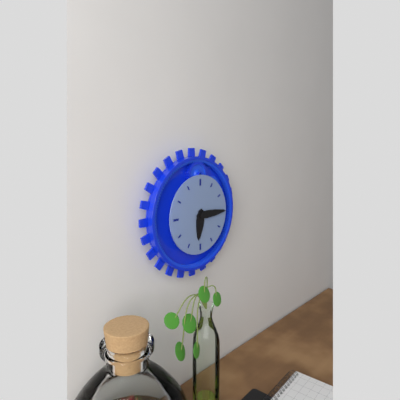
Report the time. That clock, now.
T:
6:15
